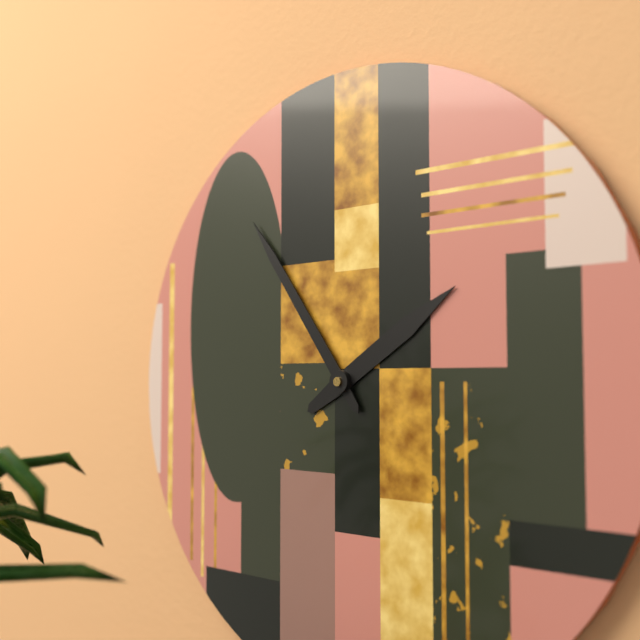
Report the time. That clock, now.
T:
1:54
